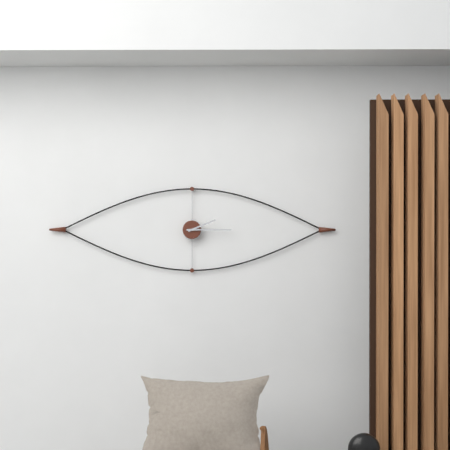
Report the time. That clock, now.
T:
2:15
